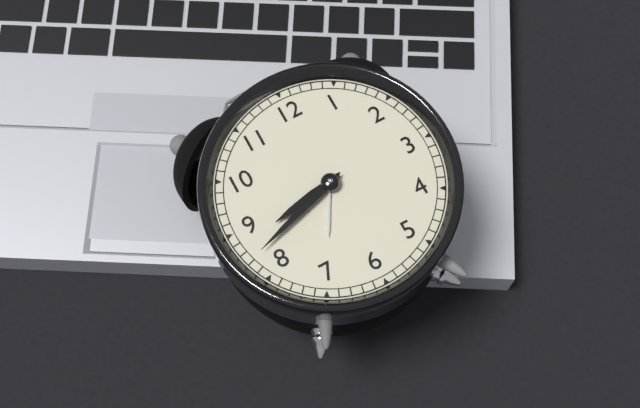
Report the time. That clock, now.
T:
8:42
